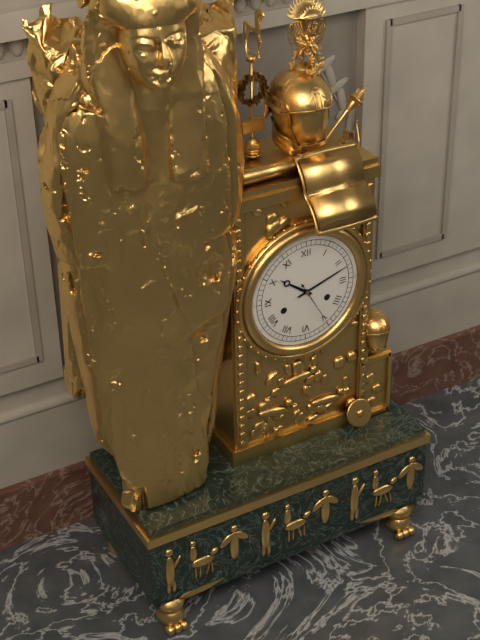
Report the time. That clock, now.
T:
10:12:25
